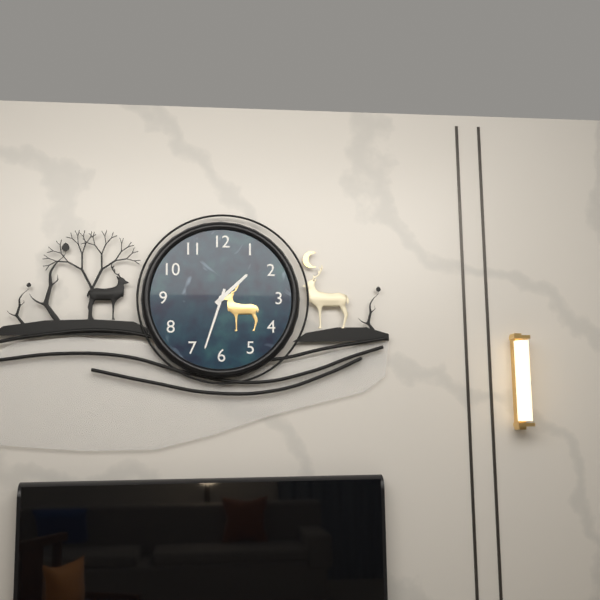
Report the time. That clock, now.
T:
1:33
